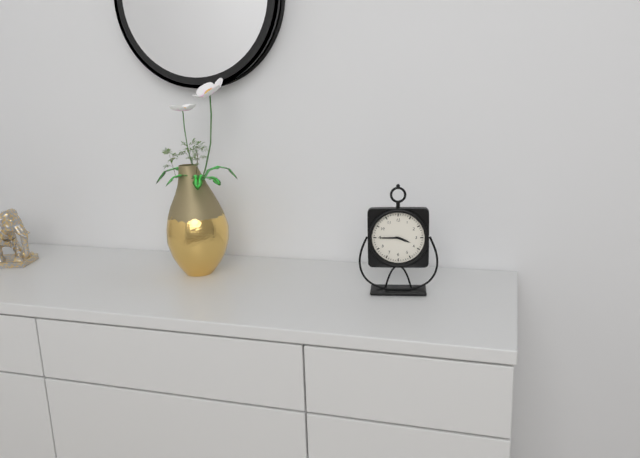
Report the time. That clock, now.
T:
3:45
